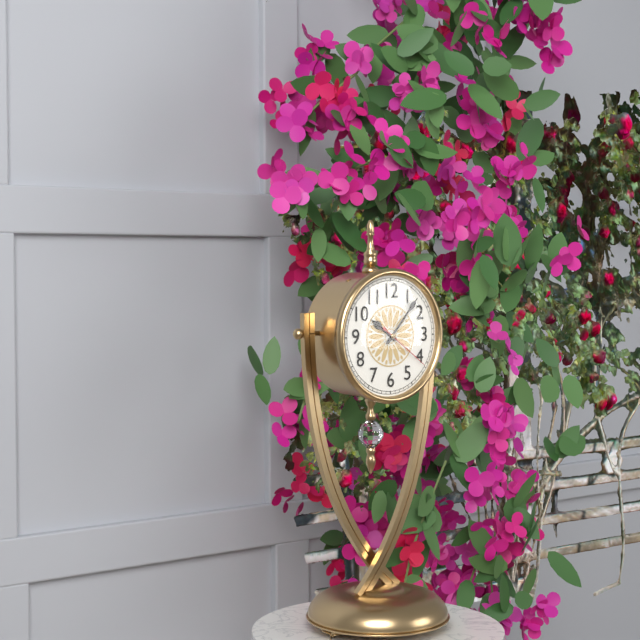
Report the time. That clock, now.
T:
10:07:21
